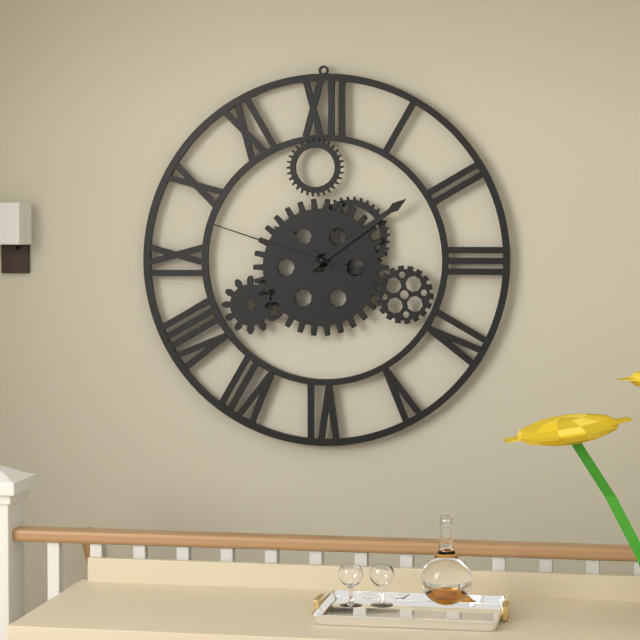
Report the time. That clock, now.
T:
10:09:48
